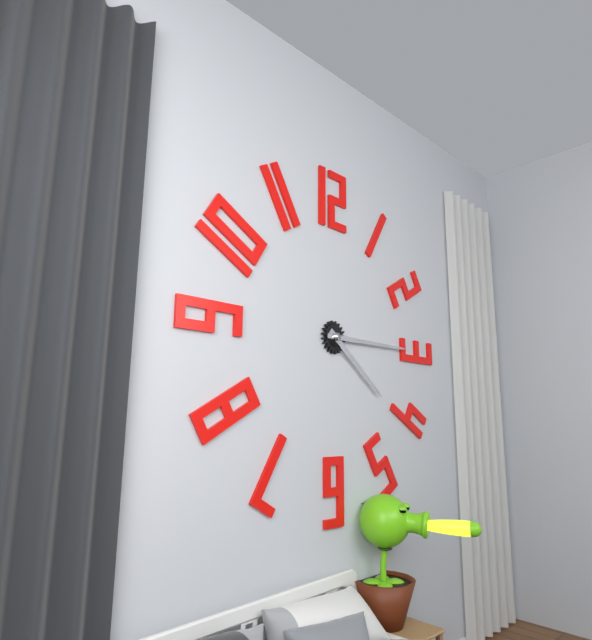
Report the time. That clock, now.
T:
4:15
